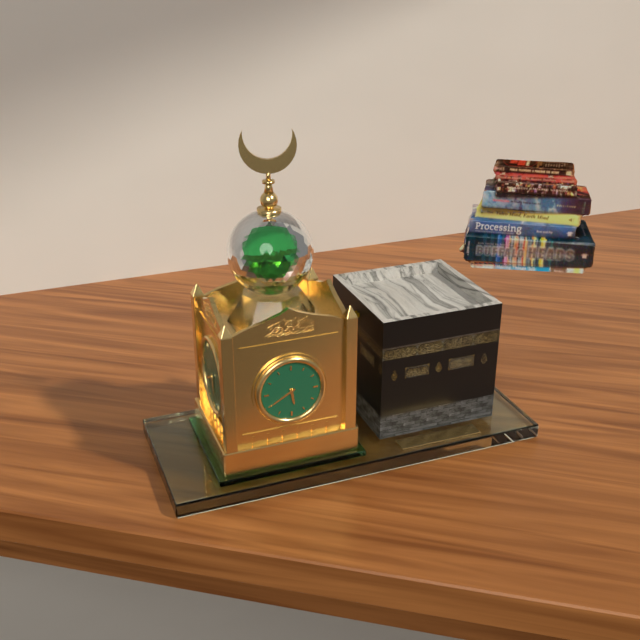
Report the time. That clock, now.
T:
5:40
